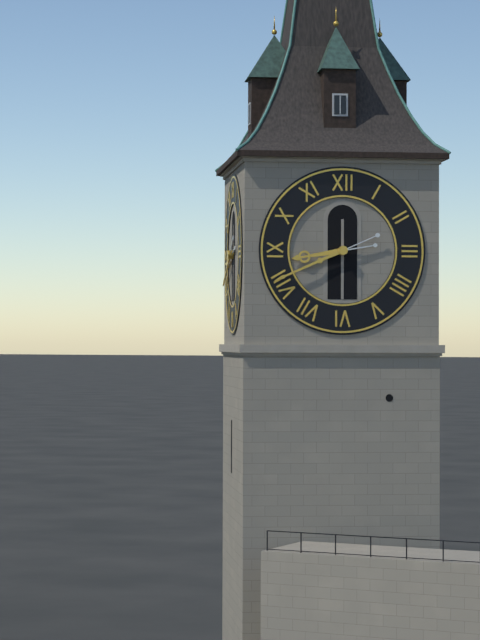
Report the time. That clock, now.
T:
8:41
